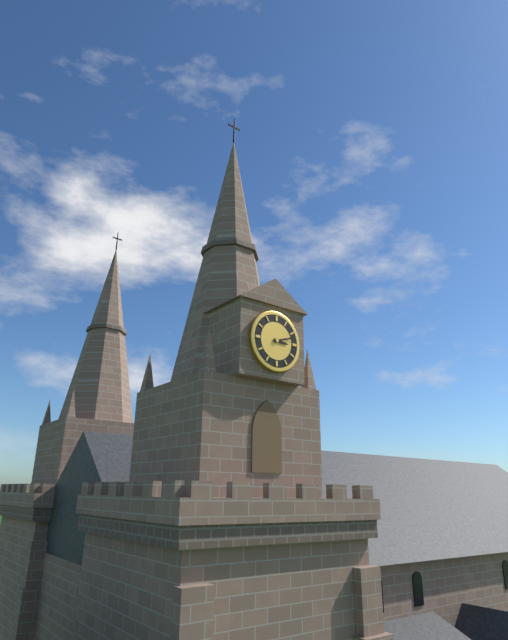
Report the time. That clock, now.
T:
3:12
